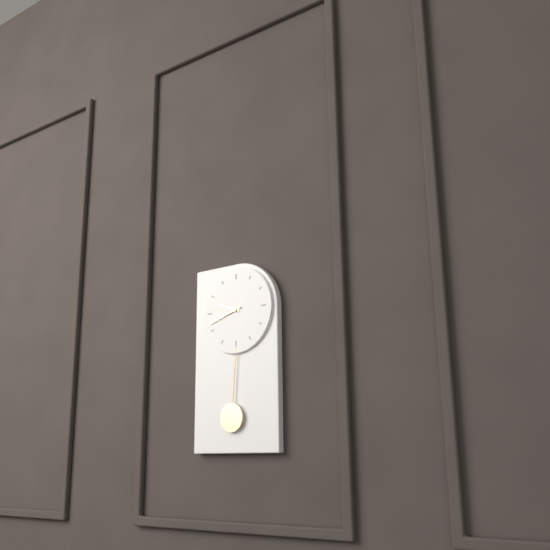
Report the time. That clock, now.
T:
9:42
